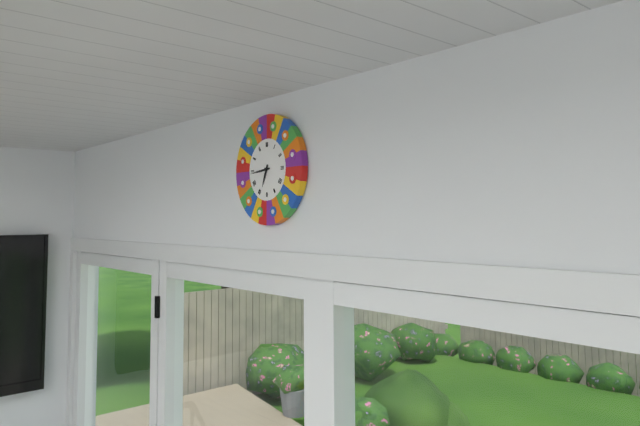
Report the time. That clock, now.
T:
6:44
